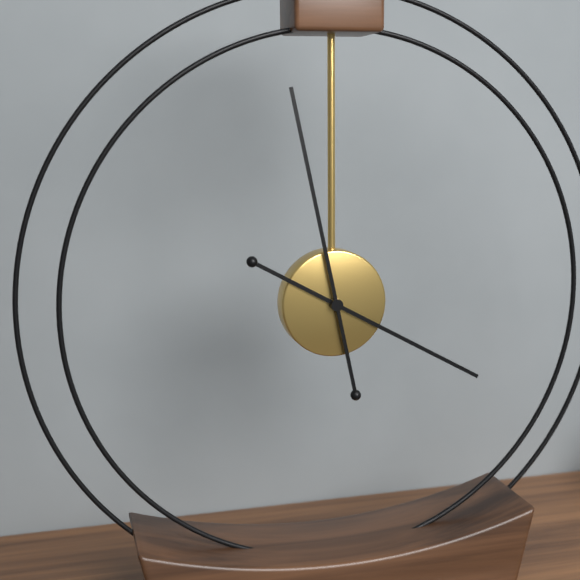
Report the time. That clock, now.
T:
3:58
